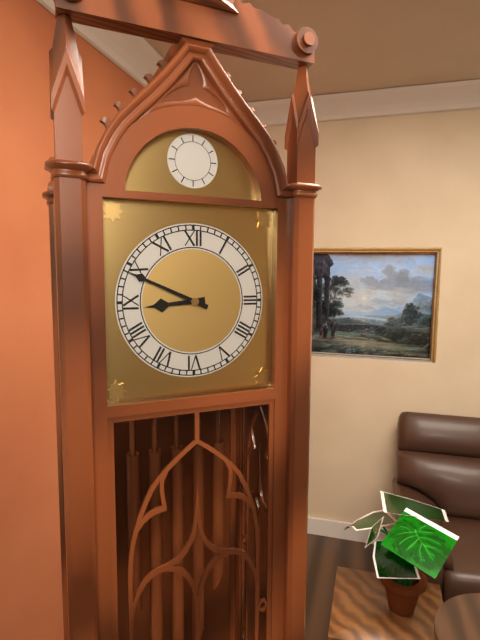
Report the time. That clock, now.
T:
8:49
